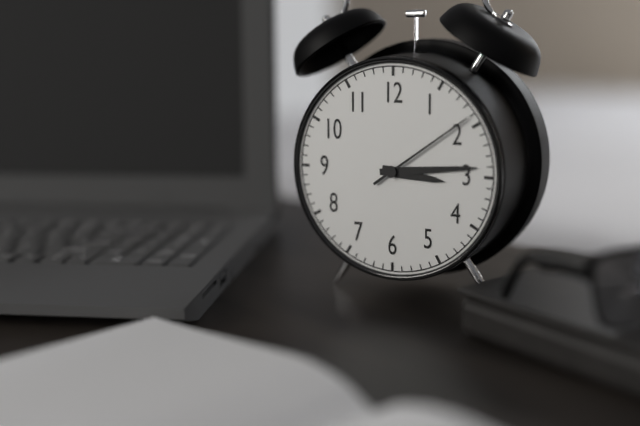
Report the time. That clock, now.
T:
3:14:09
